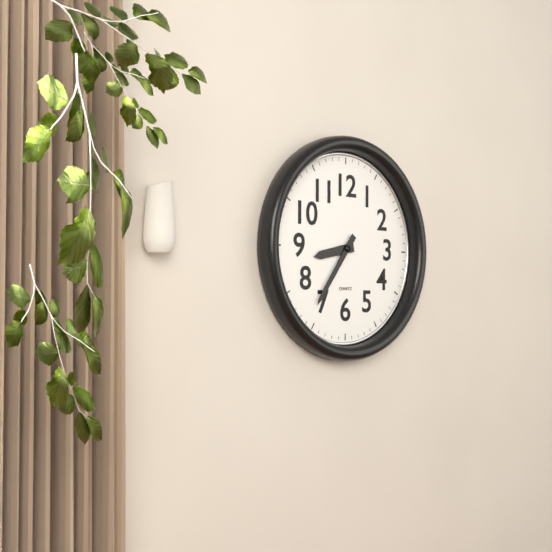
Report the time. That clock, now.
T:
8:36
